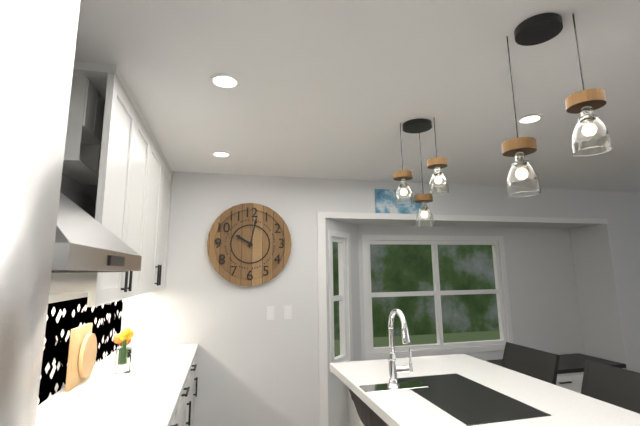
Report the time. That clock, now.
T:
10:02
